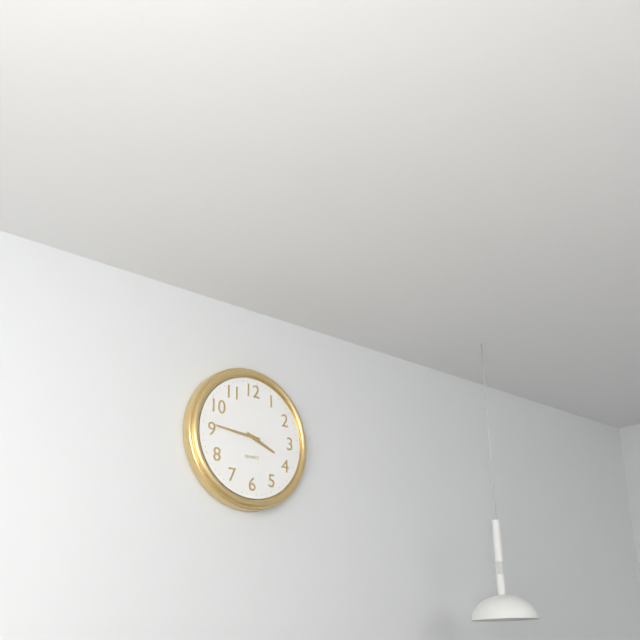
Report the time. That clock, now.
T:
3:46
